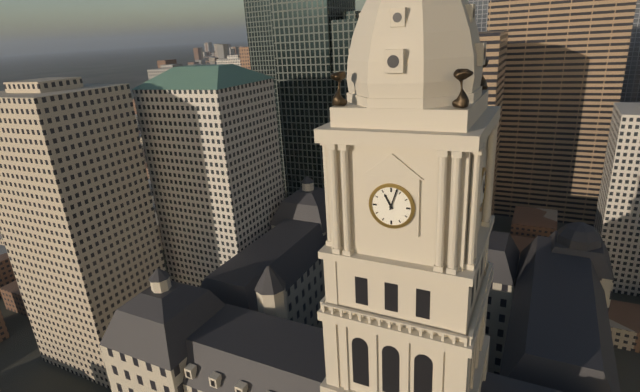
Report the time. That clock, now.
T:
11:03
